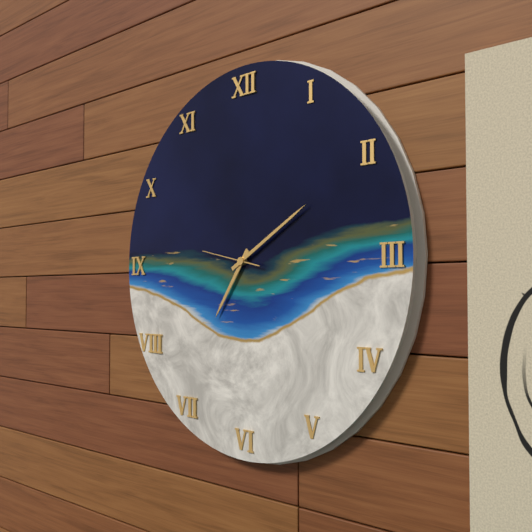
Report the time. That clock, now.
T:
7:10:47
